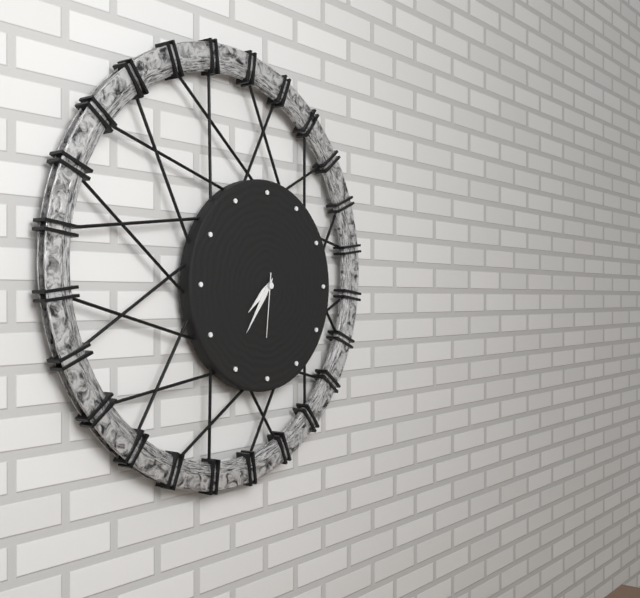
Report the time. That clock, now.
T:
7:36:31
